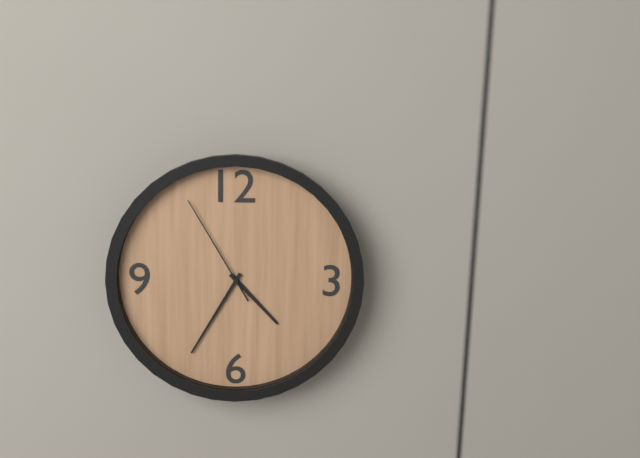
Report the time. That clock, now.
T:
4:35:55
